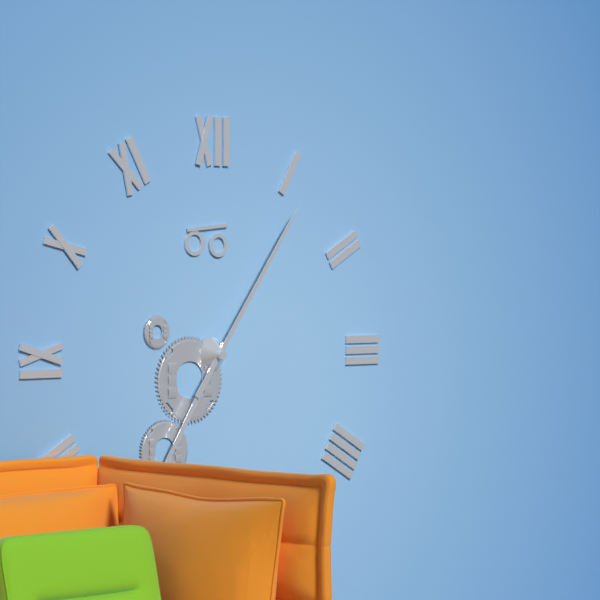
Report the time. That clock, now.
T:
7:06
